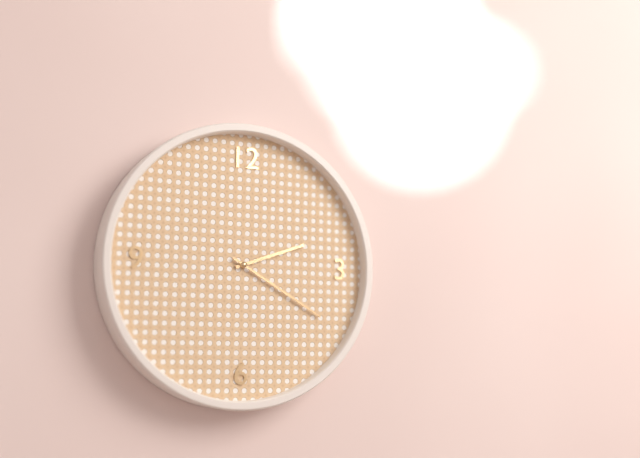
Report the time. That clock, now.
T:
2:20
